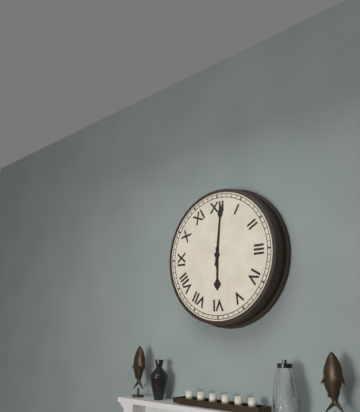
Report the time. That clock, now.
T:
6:01
